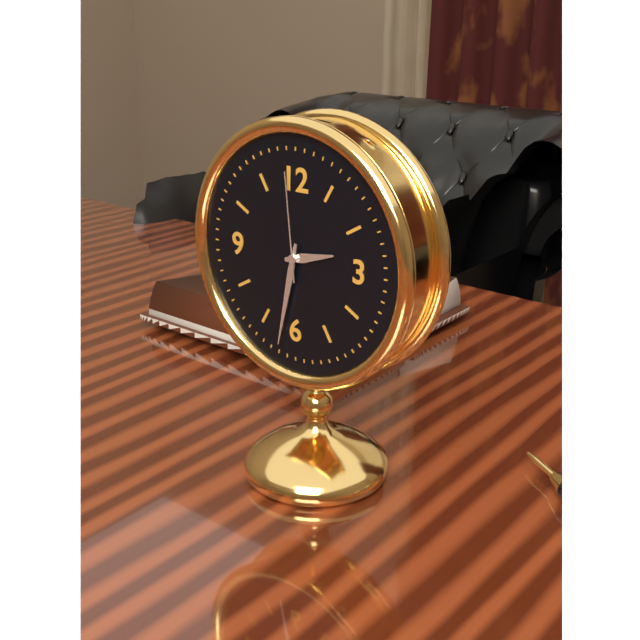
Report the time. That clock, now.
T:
2:32:59
